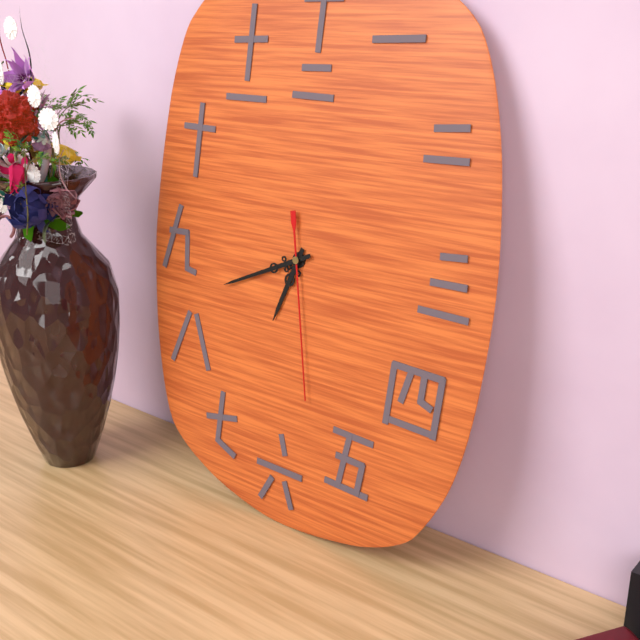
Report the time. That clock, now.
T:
6:41:28
